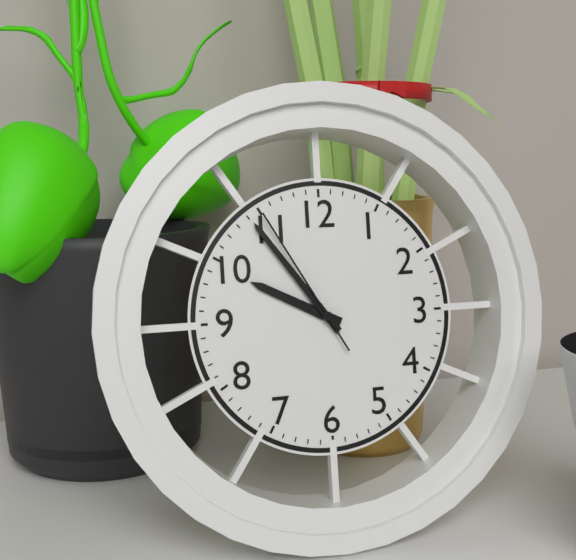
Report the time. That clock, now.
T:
9:54:55
